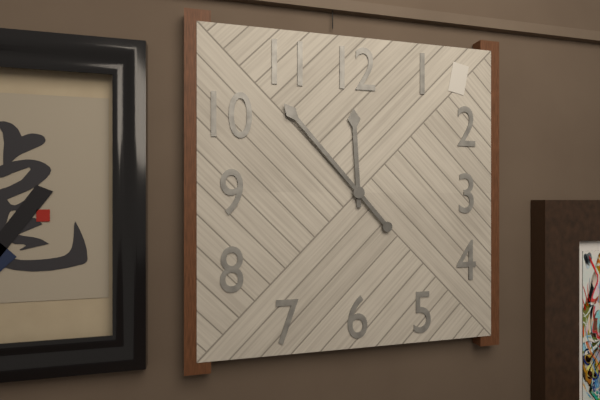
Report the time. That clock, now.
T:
11:53
